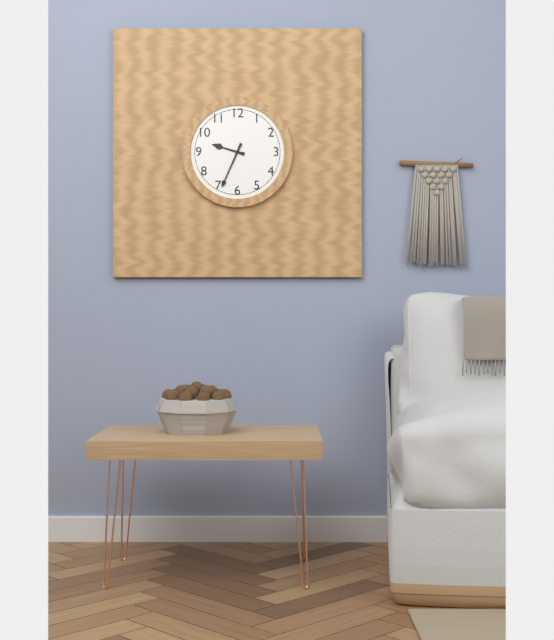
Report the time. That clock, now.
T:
9:34
